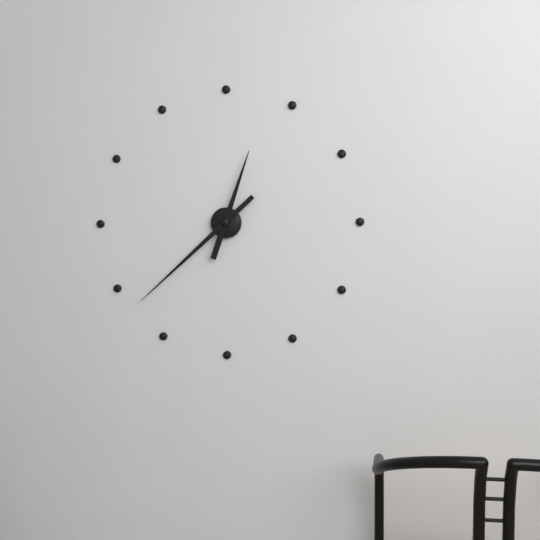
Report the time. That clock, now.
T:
12:38
